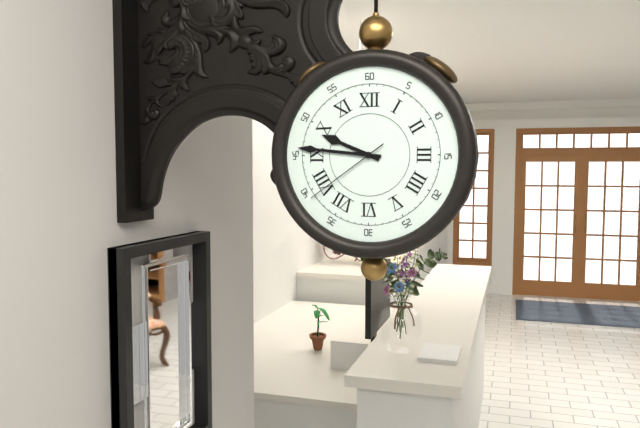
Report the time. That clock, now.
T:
9:46:39
